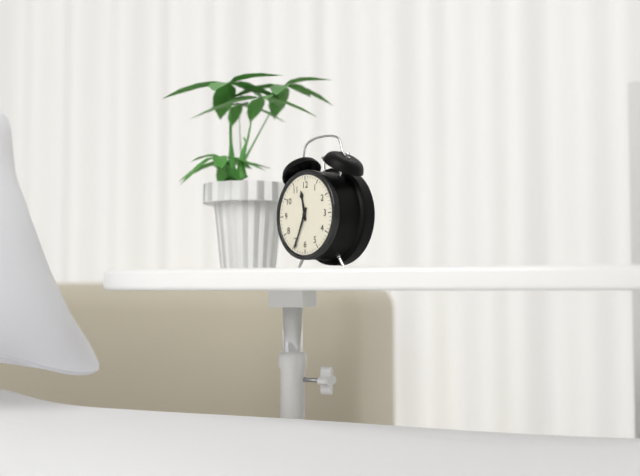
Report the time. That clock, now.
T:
11:34
